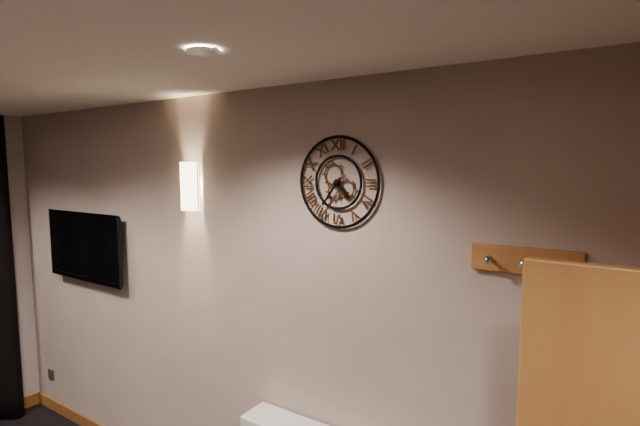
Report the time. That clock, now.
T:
4:36
